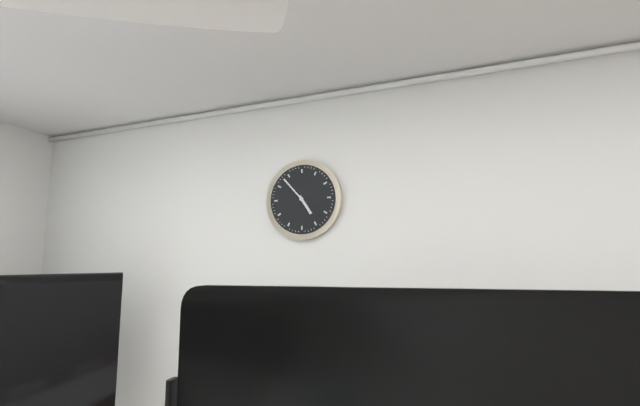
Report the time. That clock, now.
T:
4:53
